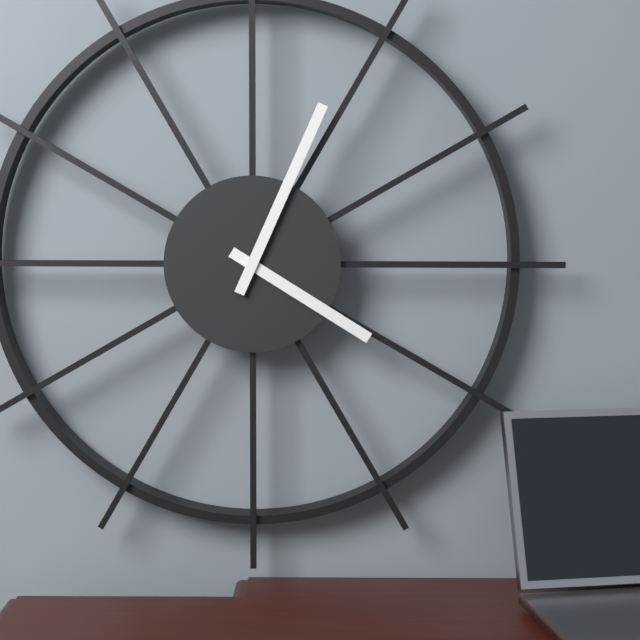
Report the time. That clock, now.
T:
4:04
